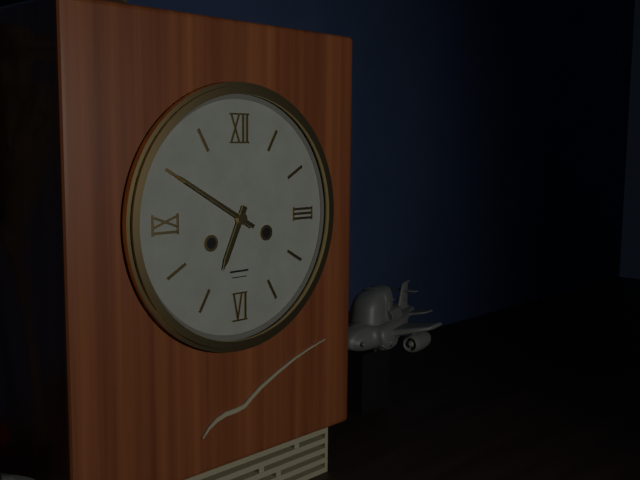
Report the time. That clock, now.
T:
6:50
